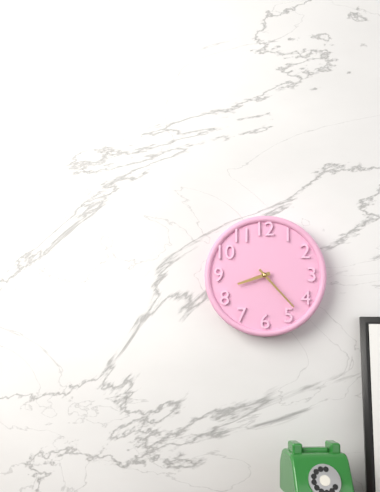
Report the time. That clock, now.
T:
8:23
